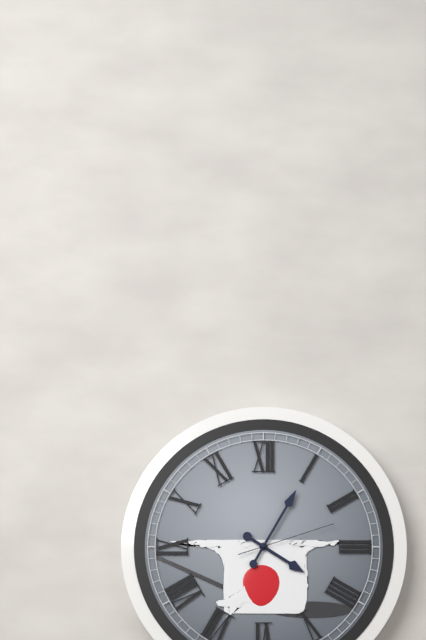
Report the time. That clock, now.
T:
4:05:12
